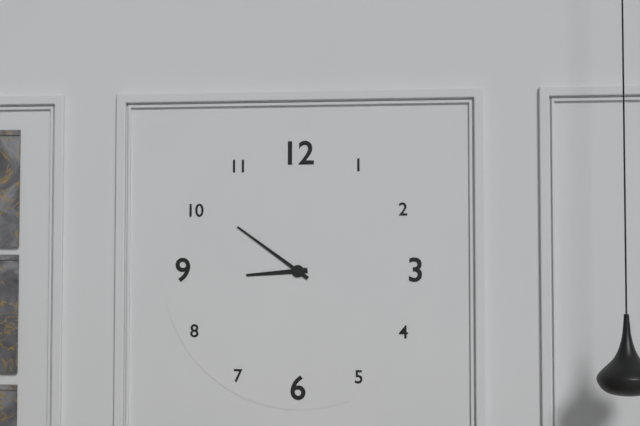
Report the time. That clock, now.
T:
8:51
